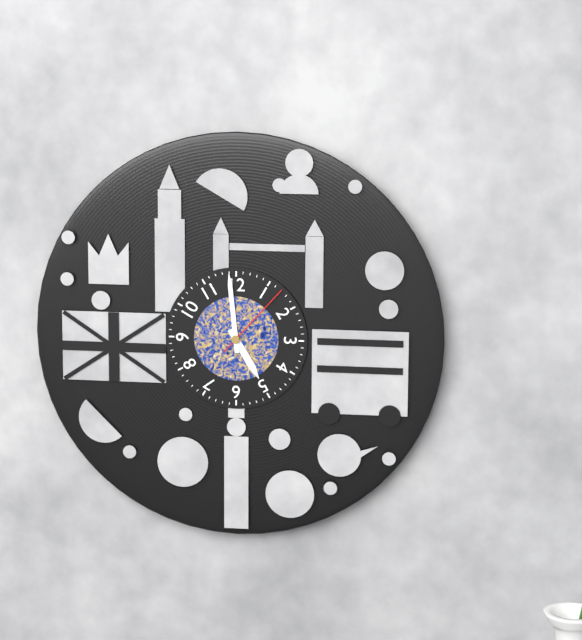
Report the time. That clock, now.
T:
4:59:07
